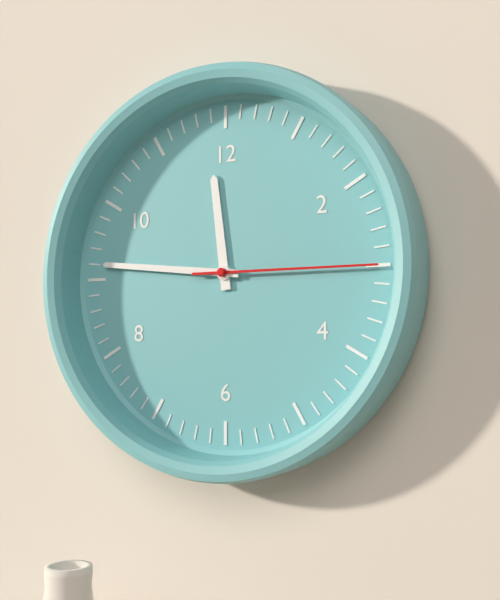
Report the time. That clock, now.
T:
11:46:15
